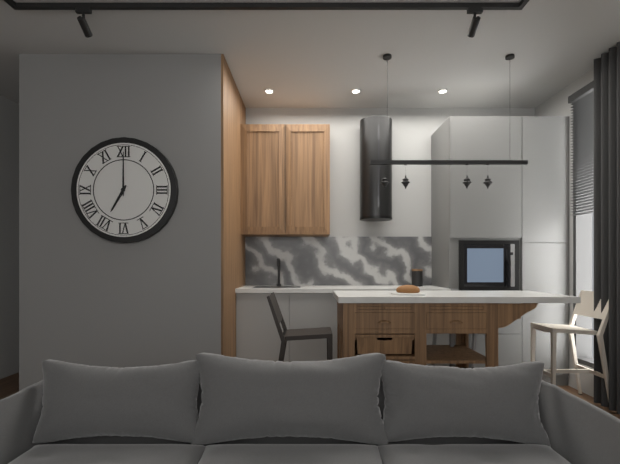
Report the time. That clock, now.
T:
7:00
